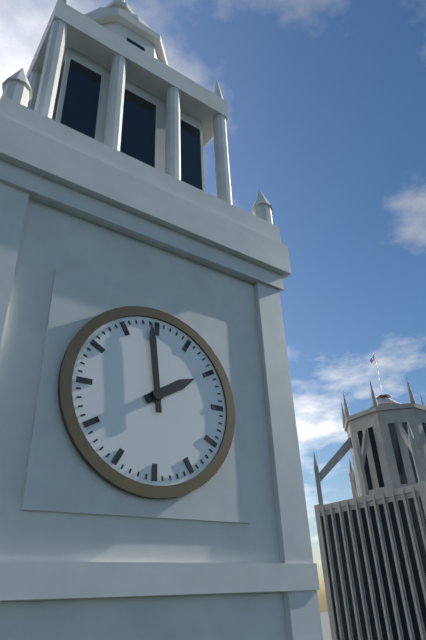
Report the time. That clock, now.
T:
1:59
